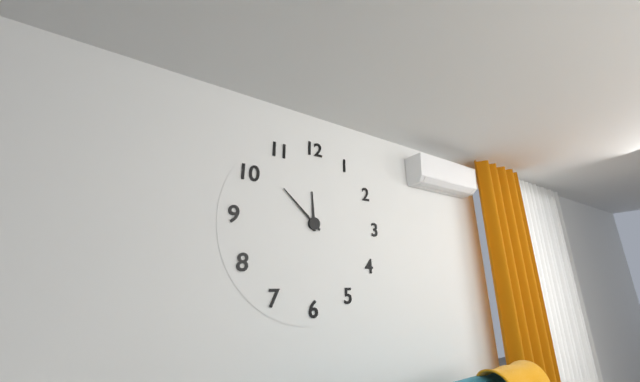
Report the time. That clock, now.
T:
11:52
